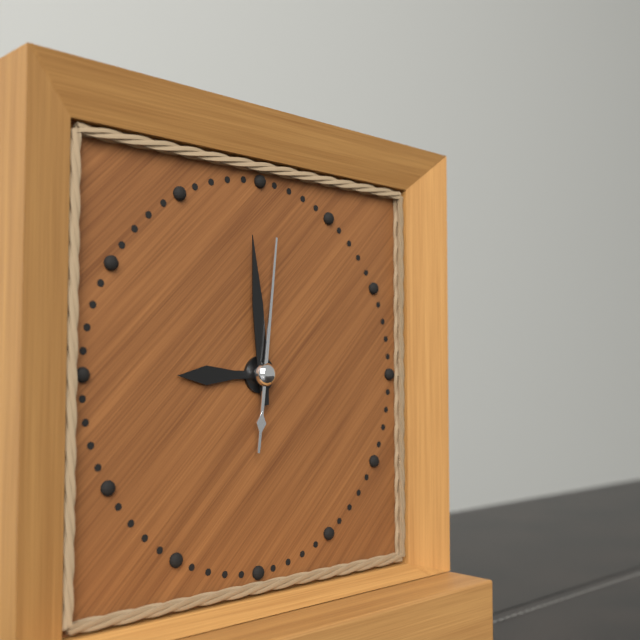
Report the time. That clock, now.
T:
8:59:01
